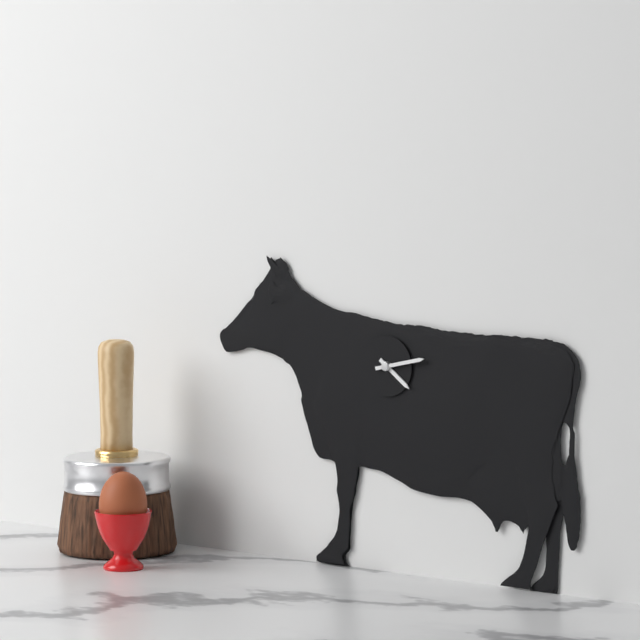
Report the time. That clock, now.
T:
4:13
